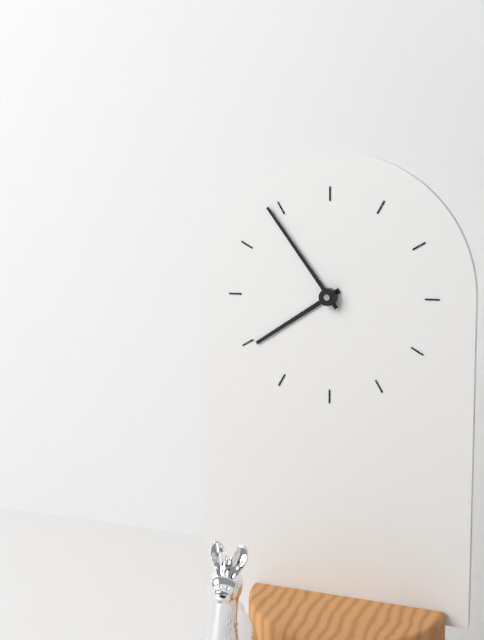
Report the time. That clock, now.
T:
7:54
